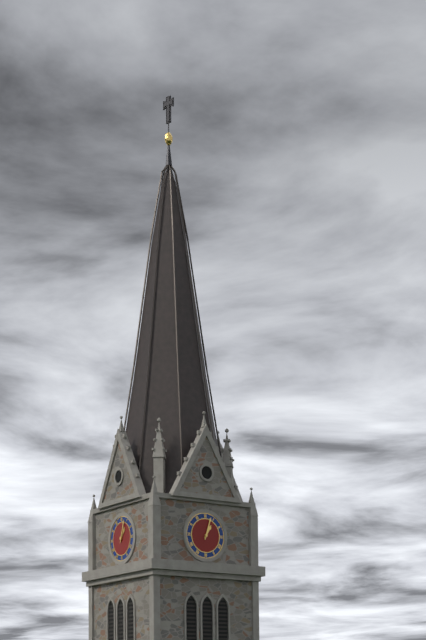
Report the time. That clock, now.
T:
1:03
